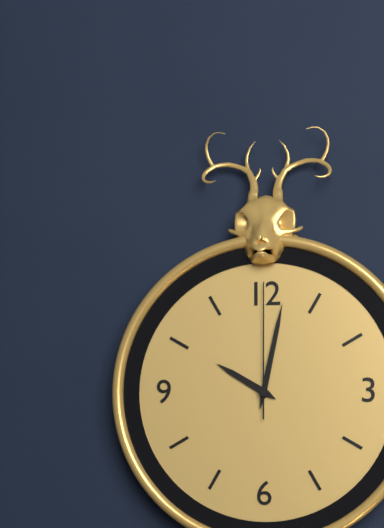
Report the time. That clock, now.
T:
10:02:00
